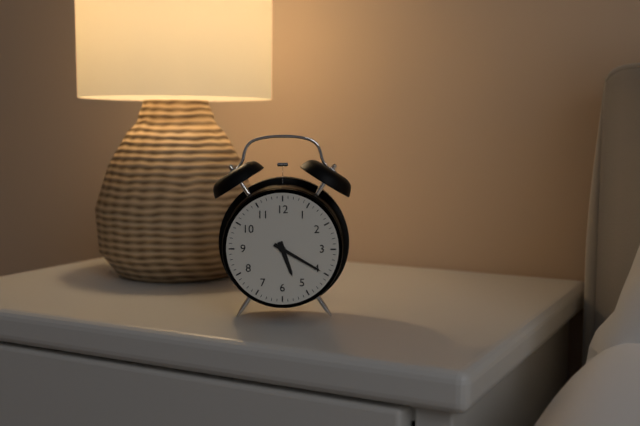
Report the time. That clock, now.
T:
5:20
